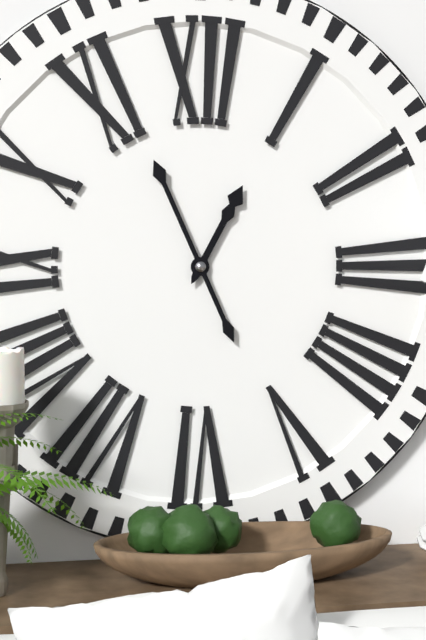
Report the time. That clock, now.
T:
12:56
